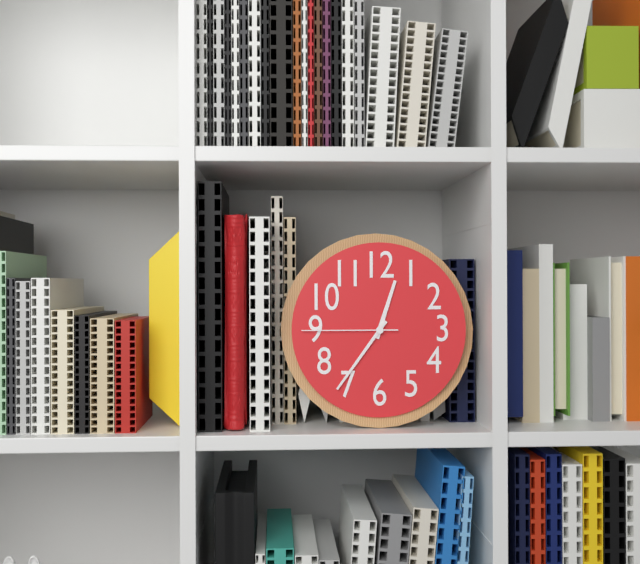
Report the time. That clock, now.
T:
12:36:45
